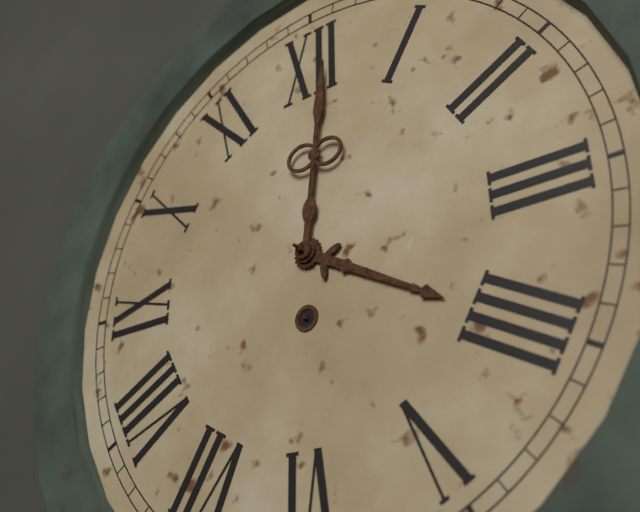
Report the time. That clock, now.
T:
4:01
